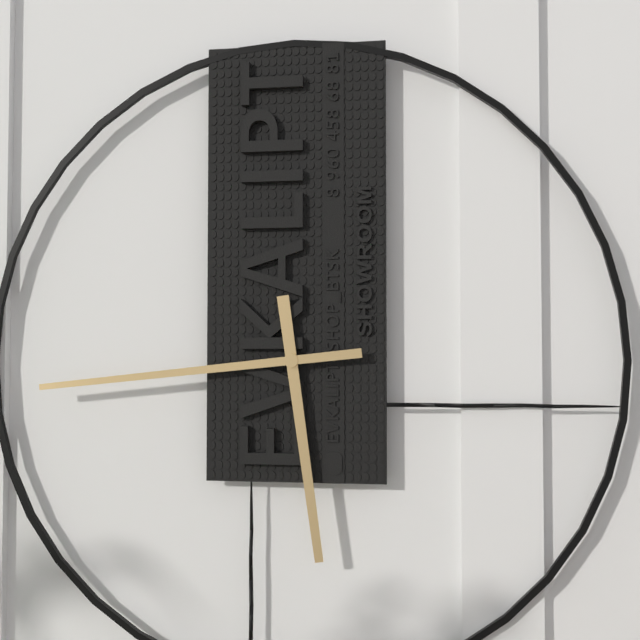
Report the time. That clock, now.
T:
5:44
